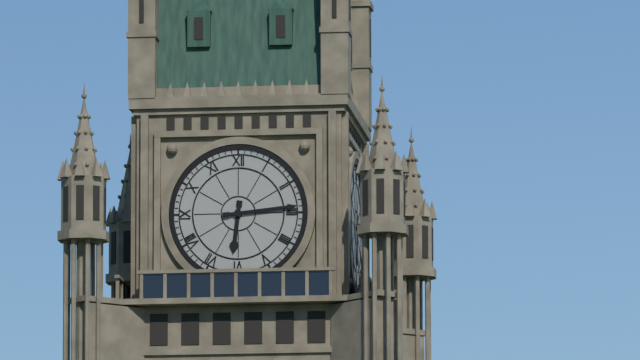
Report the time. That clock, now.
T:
6:14
